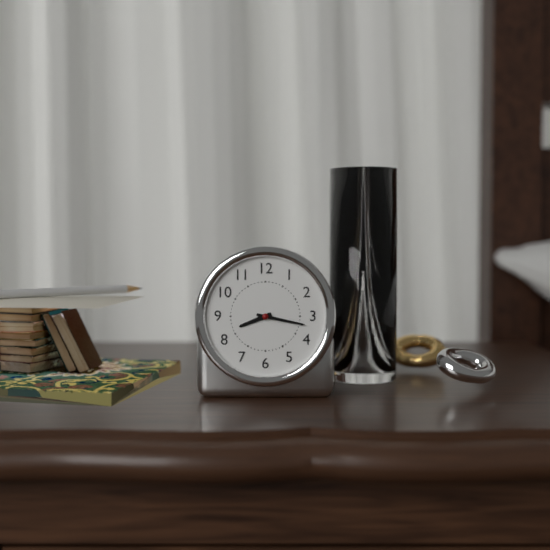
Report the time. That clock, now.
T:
8:17
